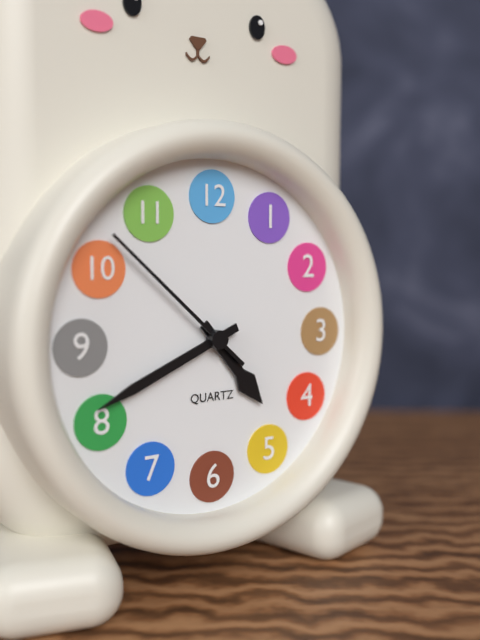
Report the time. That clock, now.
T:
4:41:52
